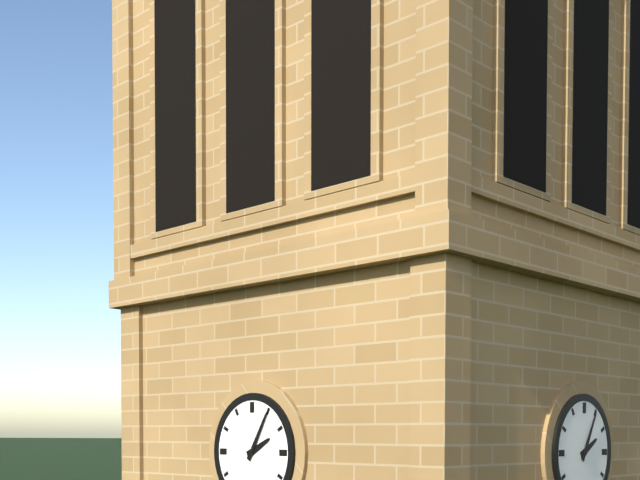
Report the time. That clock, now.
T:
2:05
